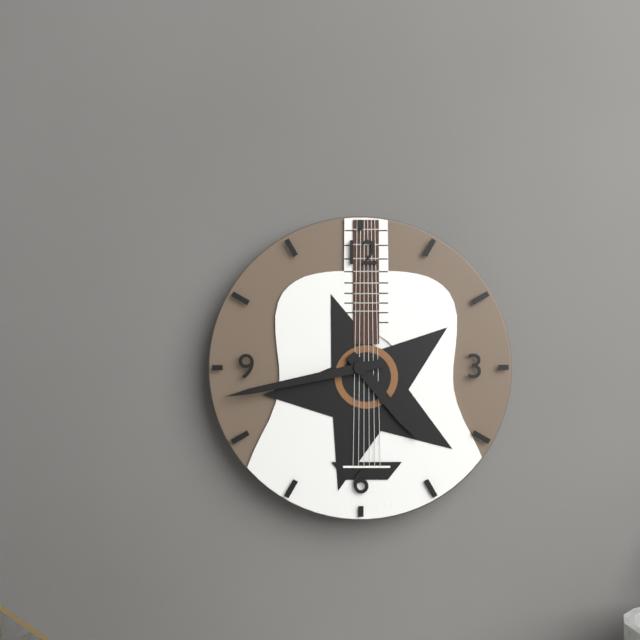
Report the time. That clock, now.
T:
4:43
